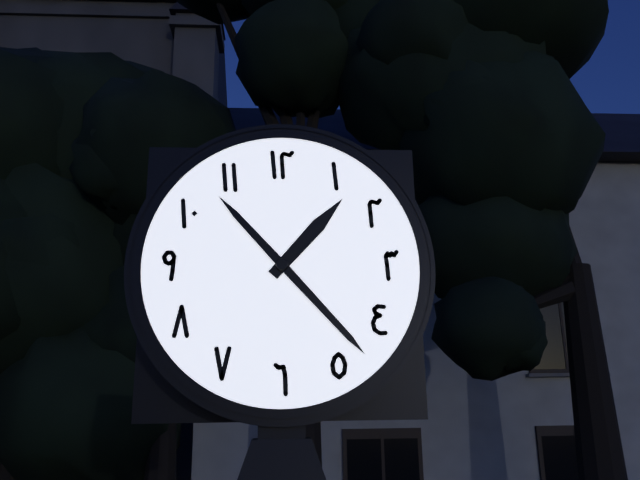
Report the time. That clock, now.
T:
1:23
